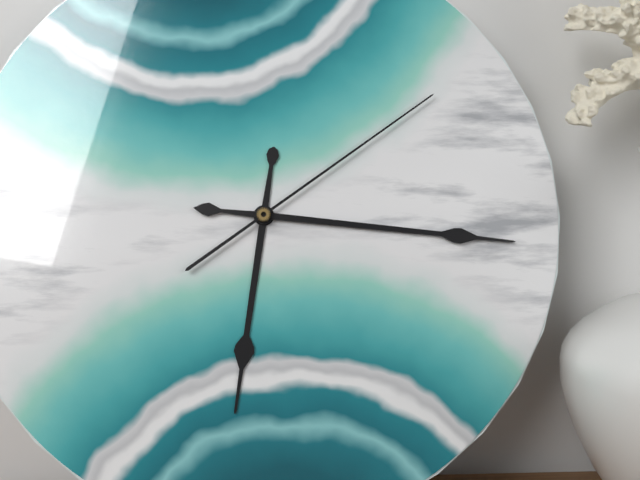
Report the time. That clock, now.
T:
6:16:09
